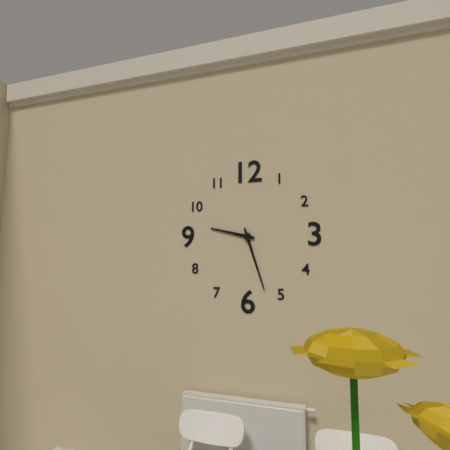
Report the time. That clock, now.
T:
9:27
